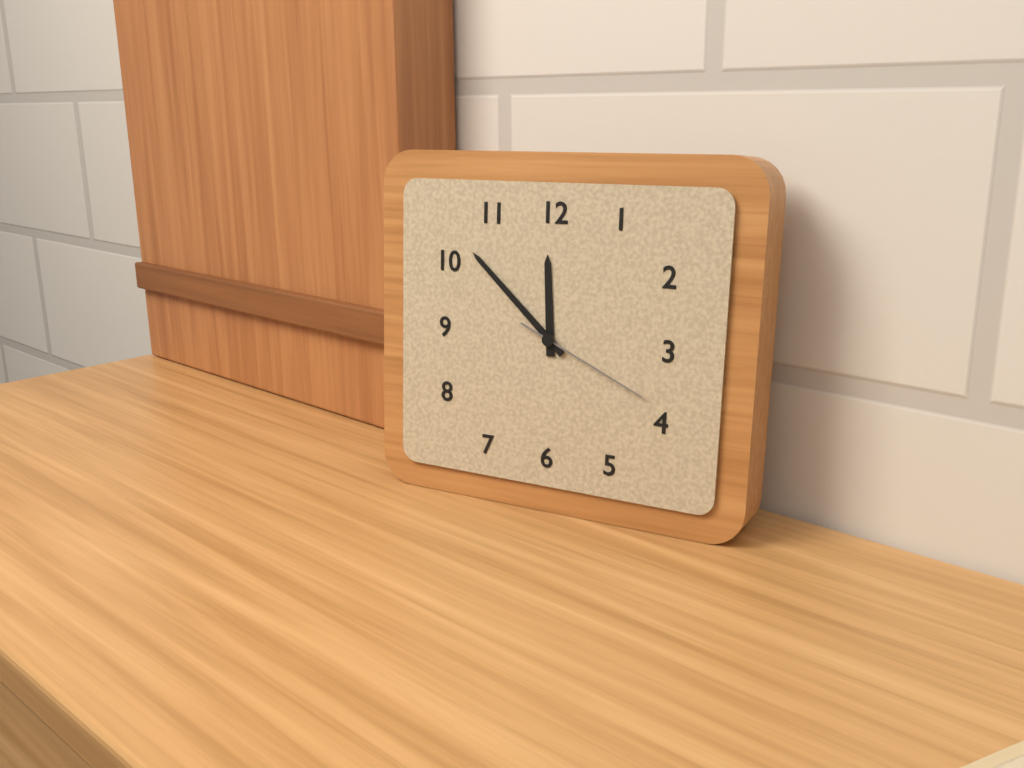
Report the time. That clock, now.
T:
11:52:19
